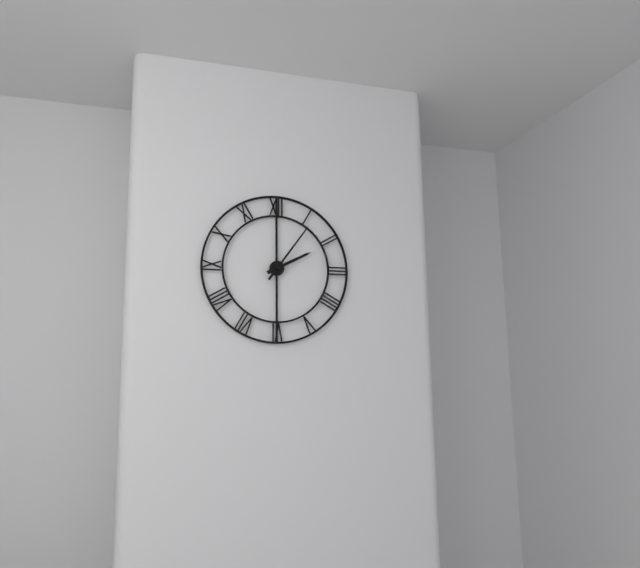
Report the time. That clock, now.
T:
2:06
